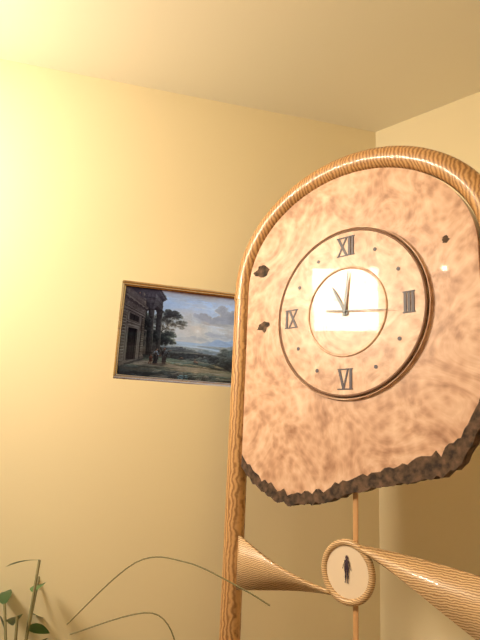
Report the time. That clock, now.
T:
11:01:16
